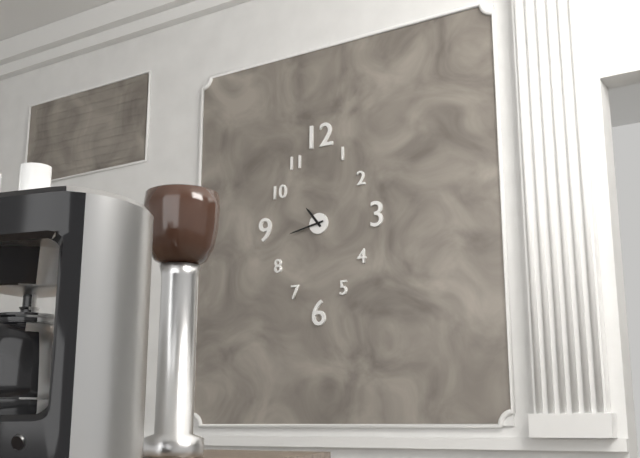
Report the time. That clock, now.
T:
10:43
